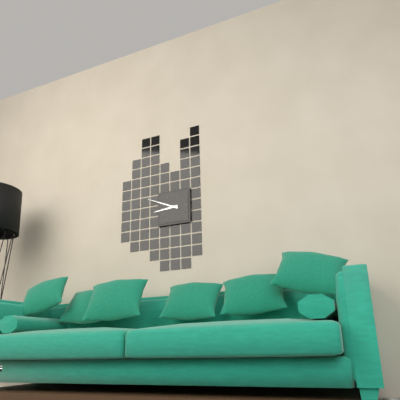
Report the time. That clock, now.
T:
8:49
